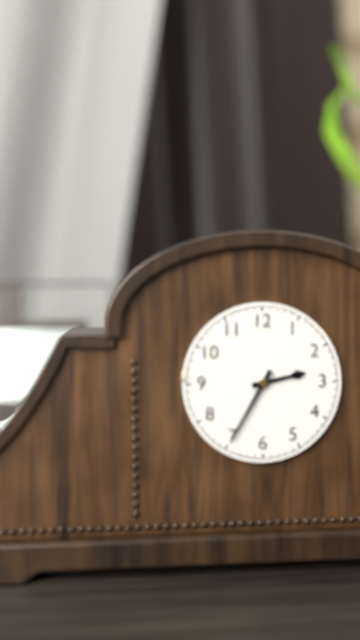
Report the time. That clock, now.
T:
2:35
